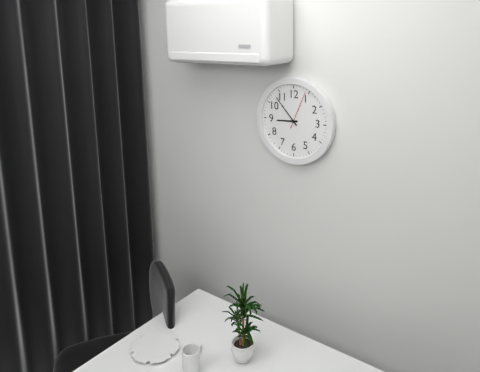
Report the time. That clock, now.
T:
8:53
